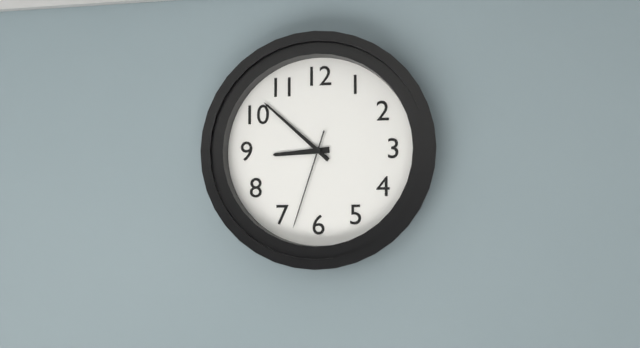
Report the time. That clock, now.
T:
8:52:33
